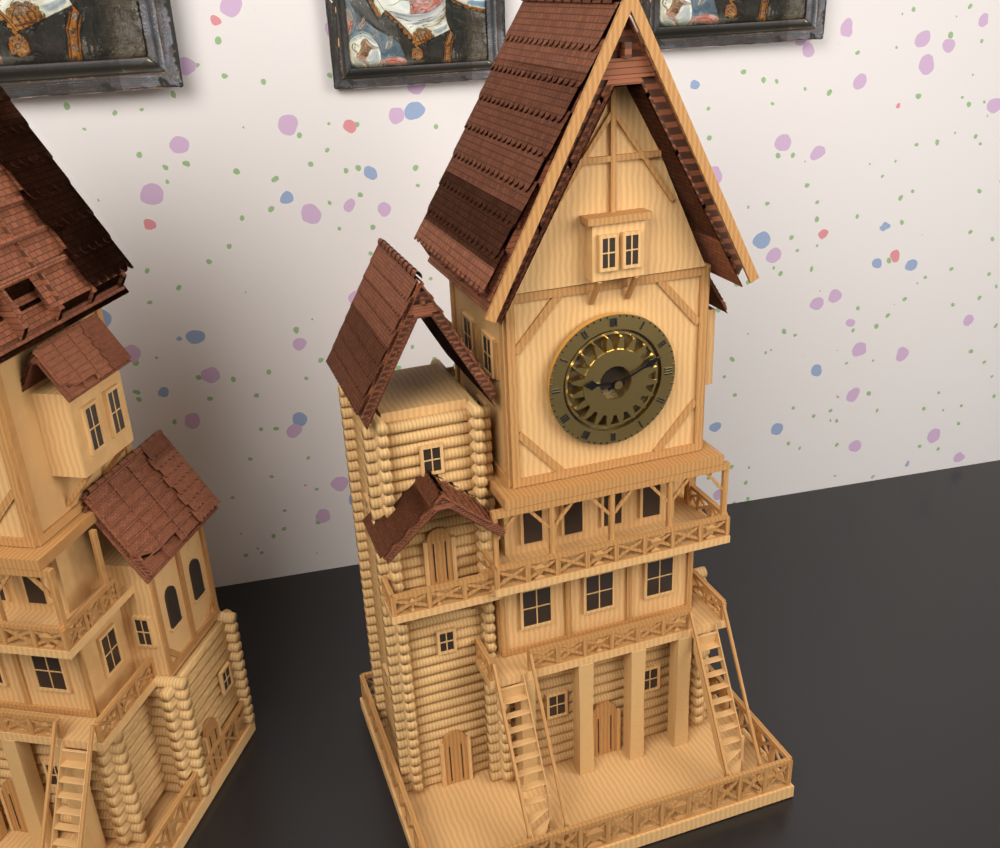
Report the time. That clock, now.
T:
9:11
